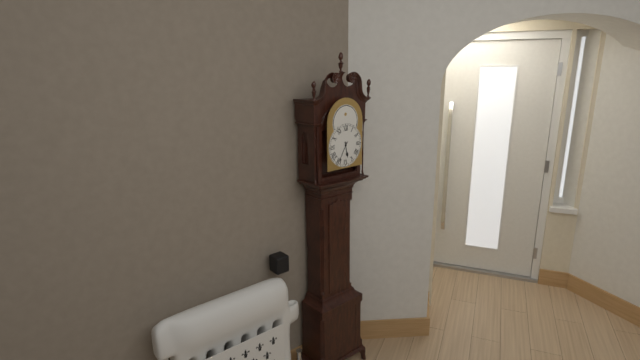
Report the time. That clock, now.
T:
5:35
